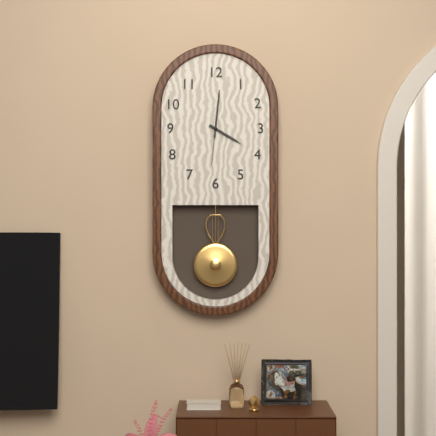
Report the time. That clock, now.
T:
4:01
